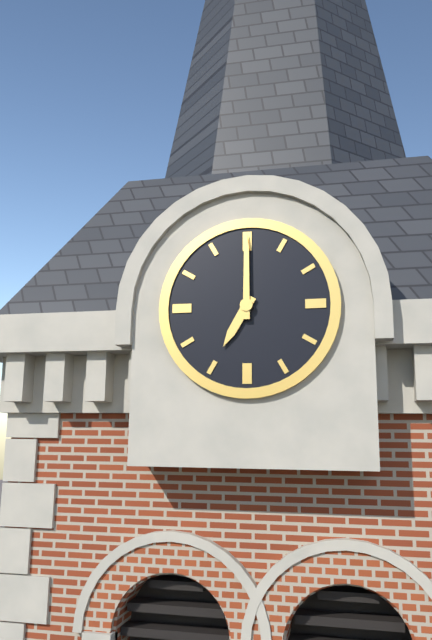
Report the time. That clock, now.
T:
7:00
